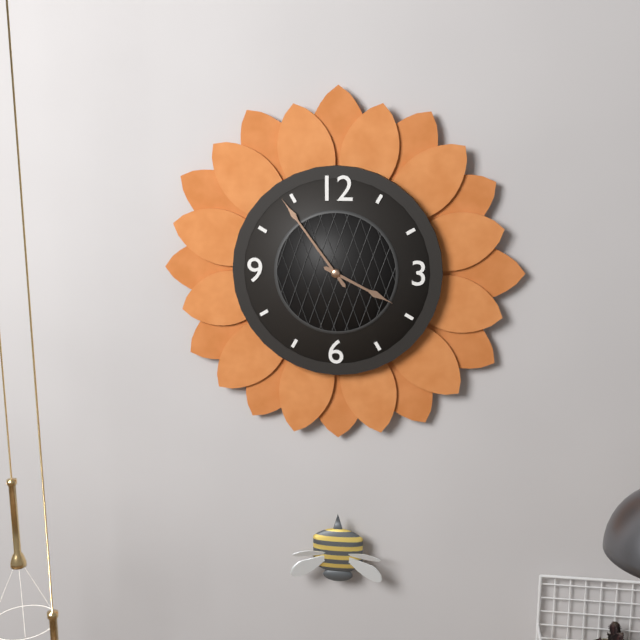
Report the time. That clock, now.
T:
3:54
